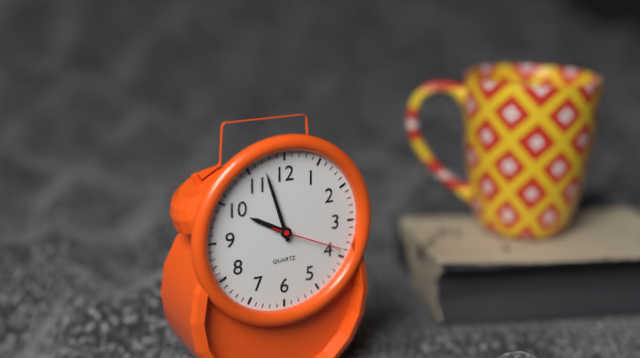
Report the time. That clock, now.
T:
9:57:19
